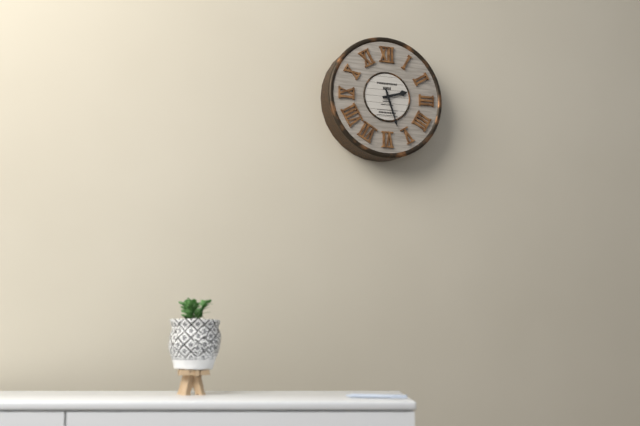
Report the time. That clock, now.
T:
2:27
